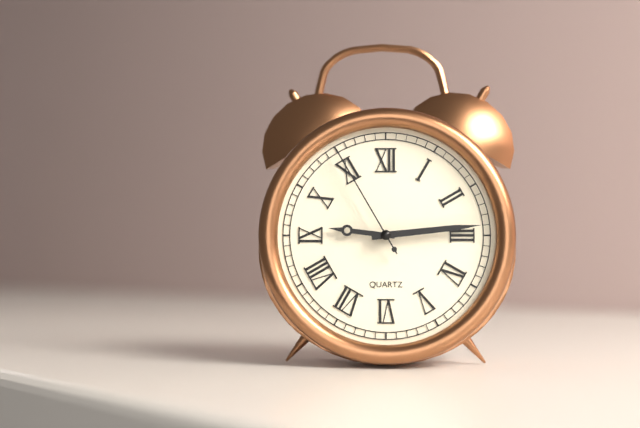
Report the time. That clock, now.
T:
9:14:55
